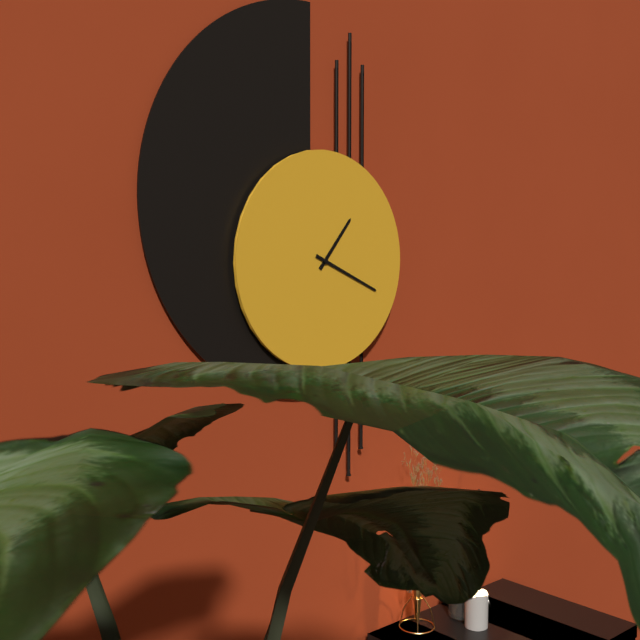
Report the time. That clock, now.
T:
1:19
